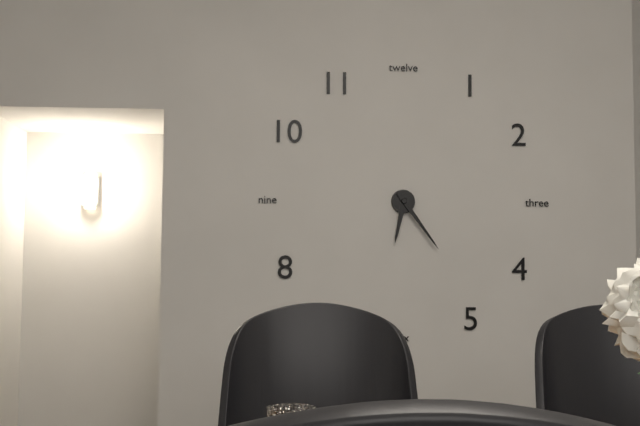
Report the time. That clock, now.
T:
6:24
